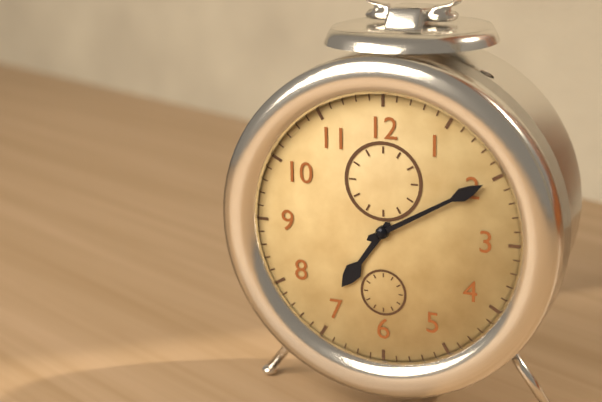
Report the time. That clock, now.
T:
7:10
